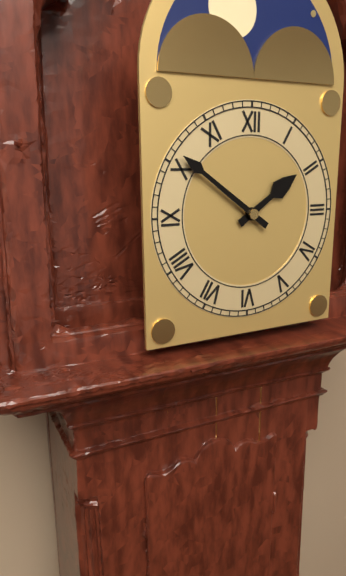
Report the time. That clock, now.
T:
1:51
